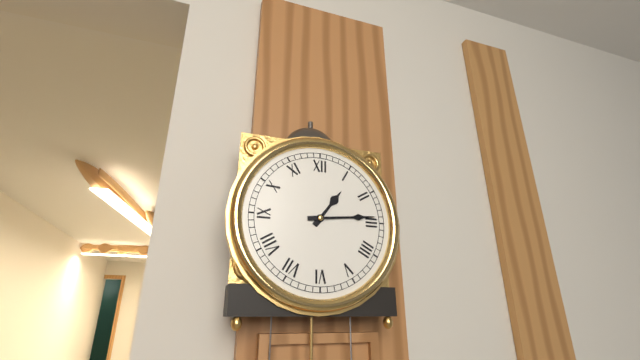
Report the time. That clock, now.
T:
1:14
